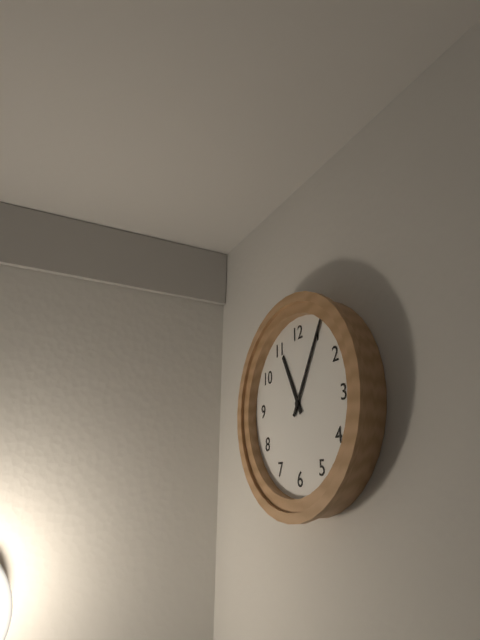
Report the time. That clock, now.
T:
11:05
